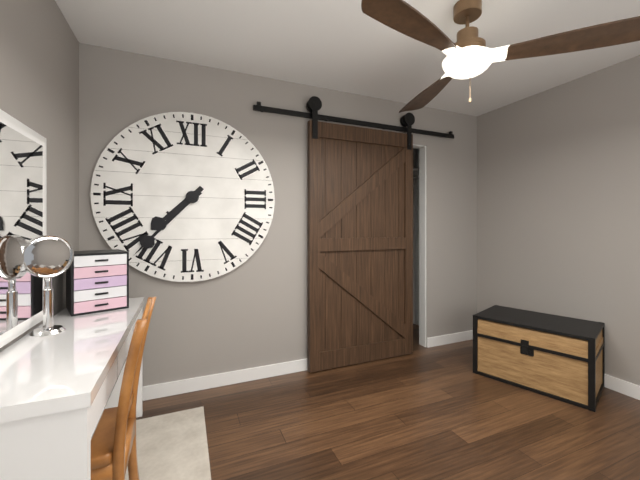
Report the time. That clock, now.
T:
7:37
